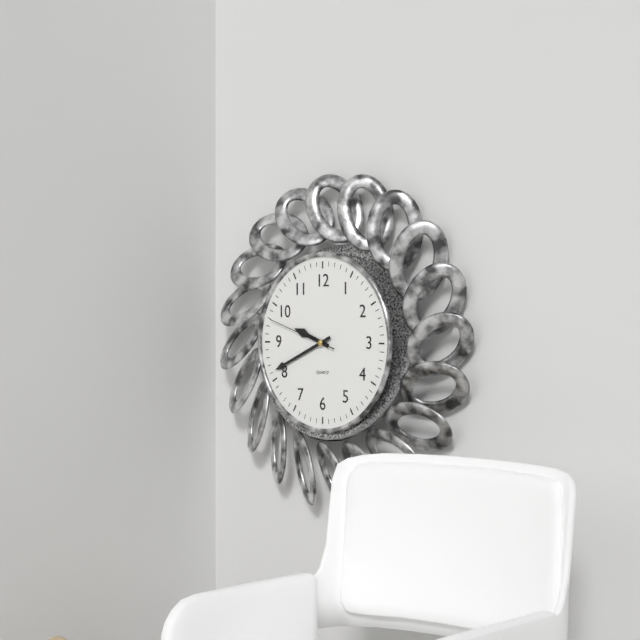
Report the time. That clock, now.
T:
9:41:48
